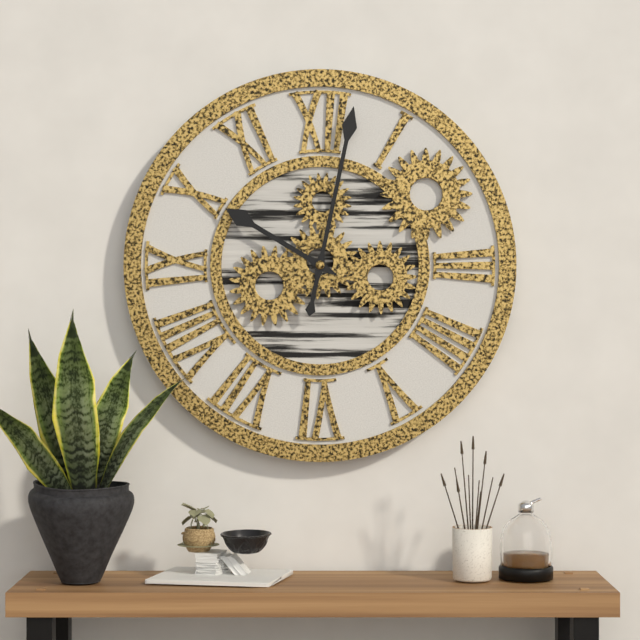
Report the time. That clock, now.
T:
10:02
